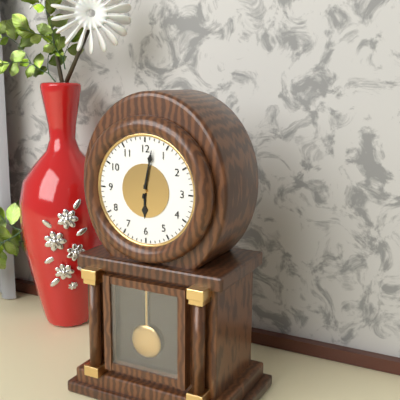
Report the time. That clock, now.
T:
6:02
